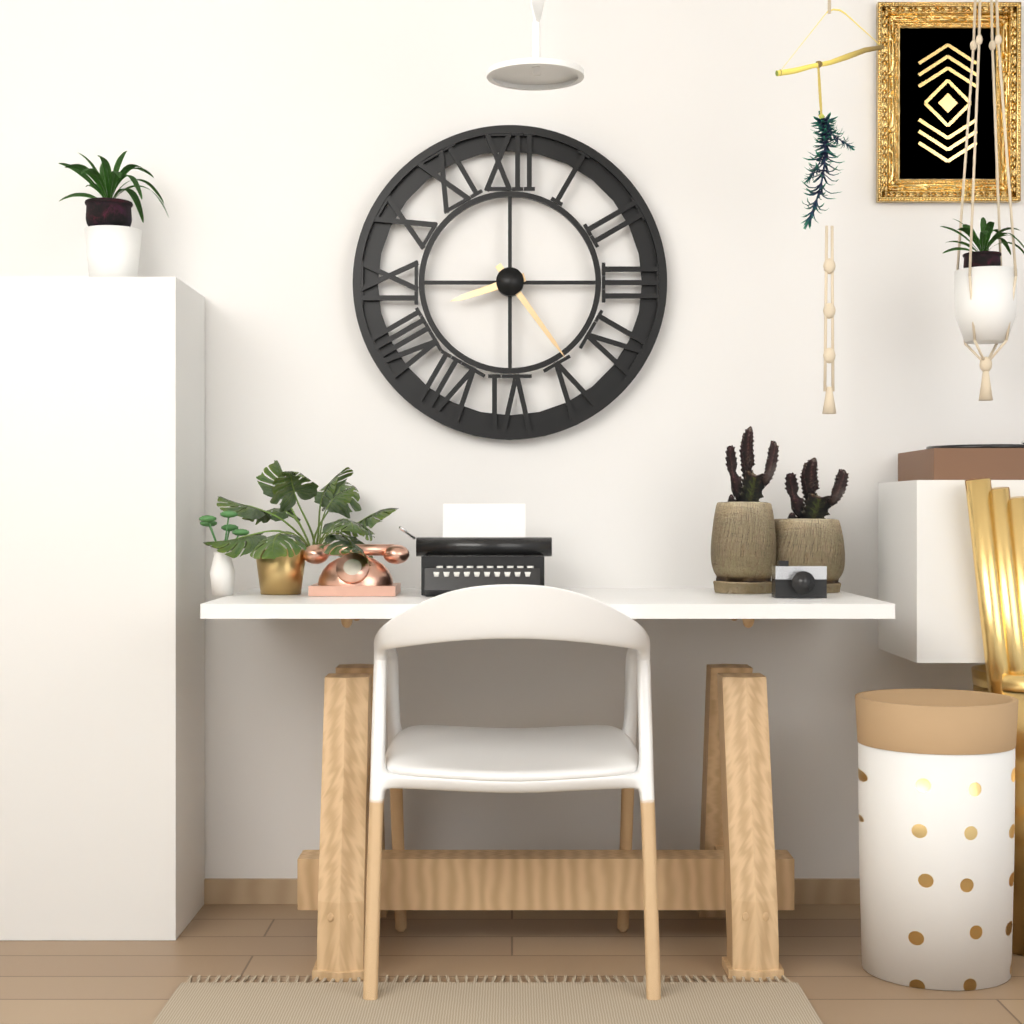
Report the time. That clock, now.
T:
8:24
